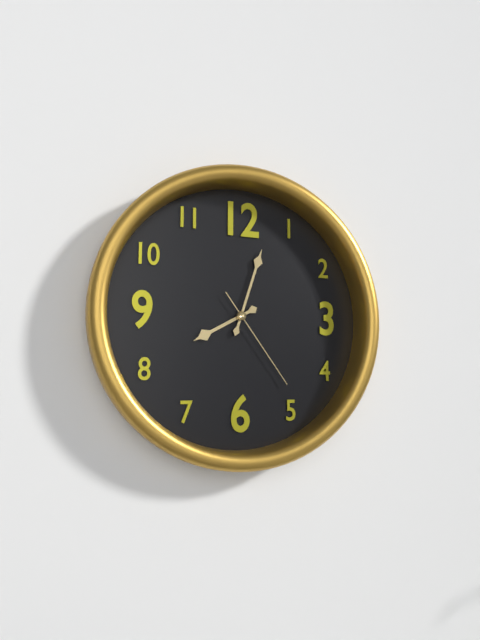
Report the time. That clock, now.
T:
8:03:24
